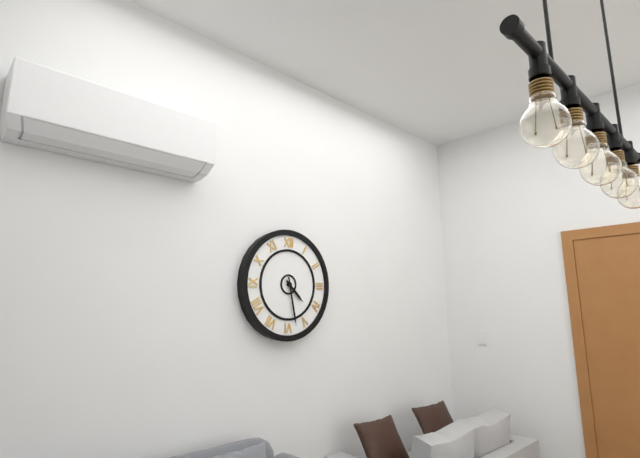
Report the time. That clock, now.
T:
4:28
